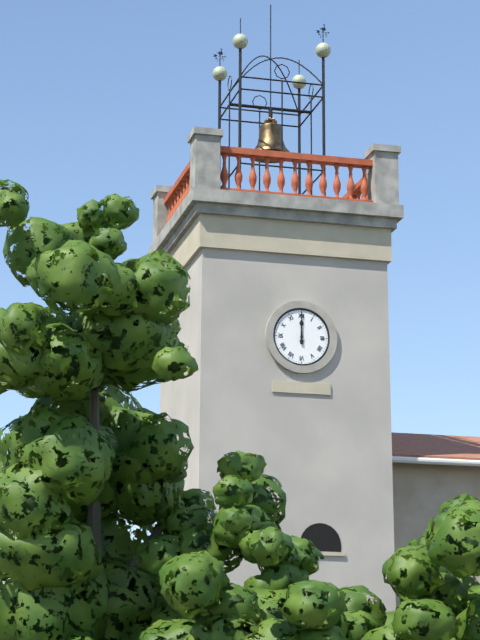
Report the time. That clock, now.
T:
12:00
